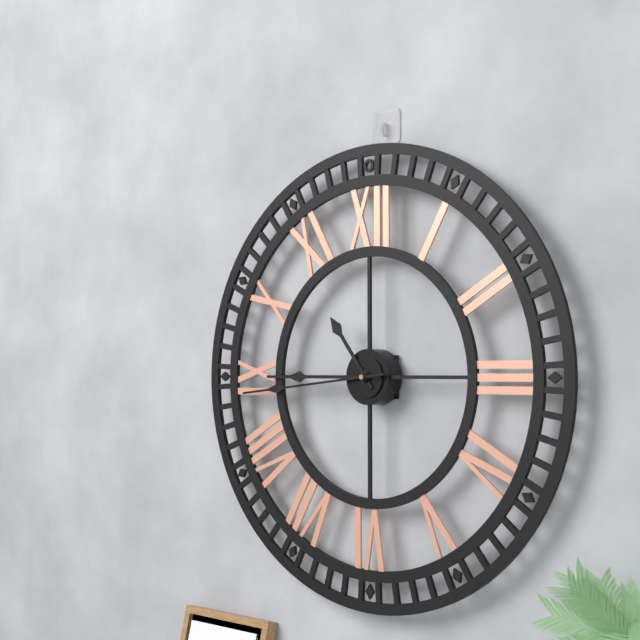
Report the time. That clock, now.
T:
10:45:44
